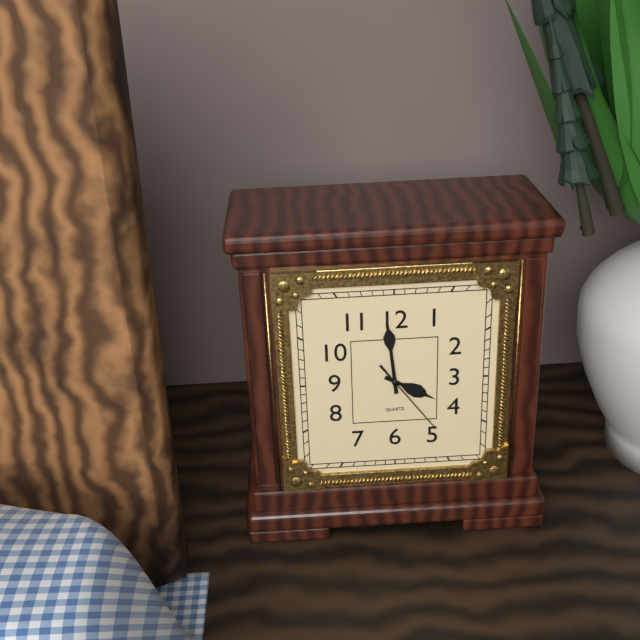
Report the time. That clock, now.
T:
3:59:24
